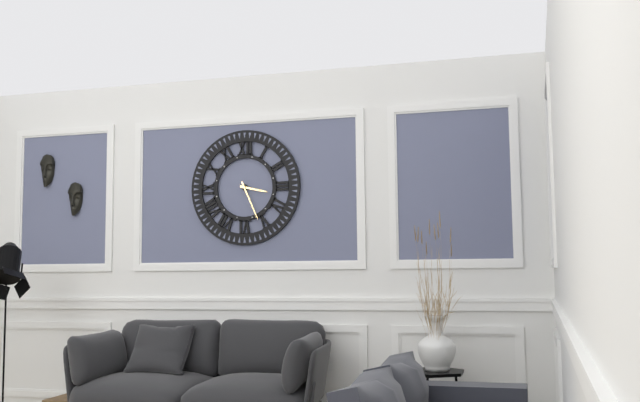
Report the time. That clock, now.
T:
3:26
